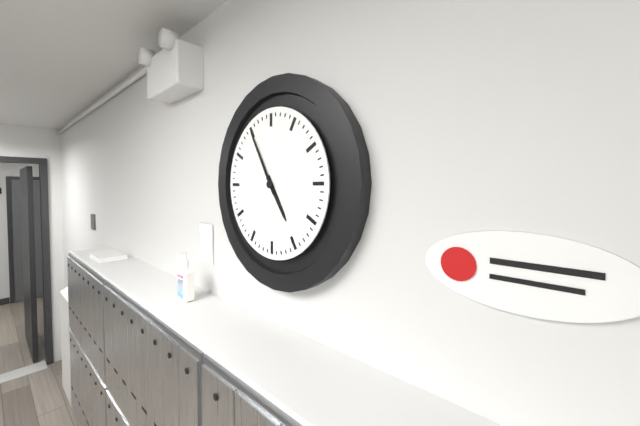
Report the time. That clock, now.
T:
4:55
